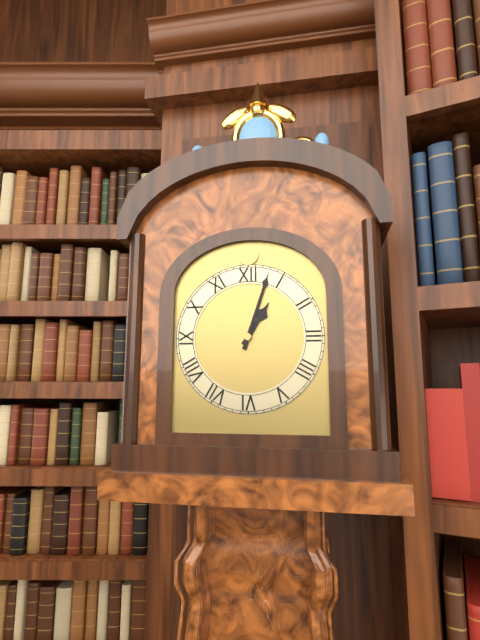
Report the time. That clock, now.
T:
1:03
